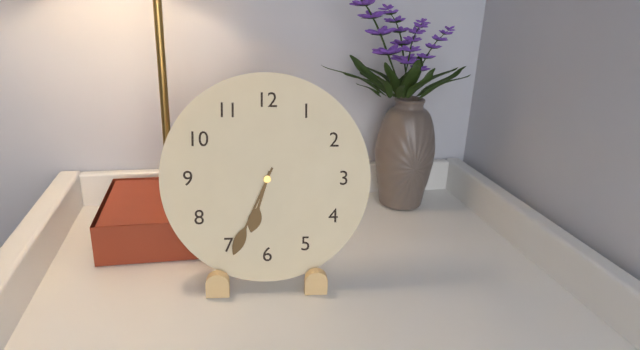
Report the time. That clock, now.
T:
6:34
